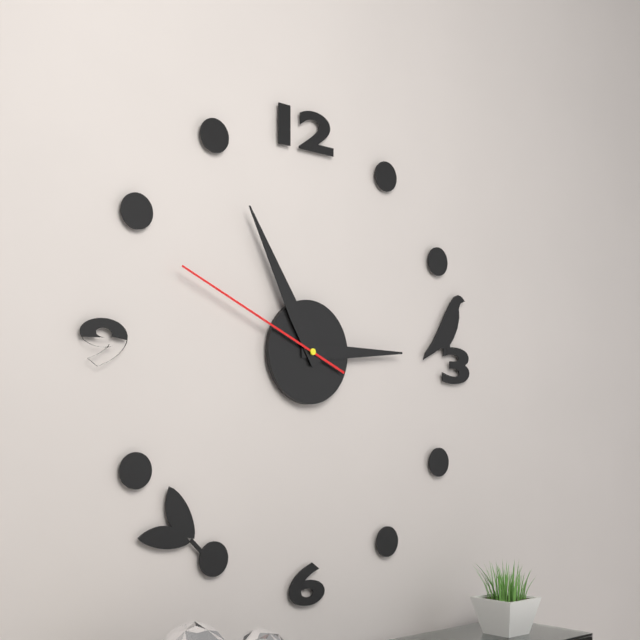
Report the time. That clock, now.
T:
2:55:49
